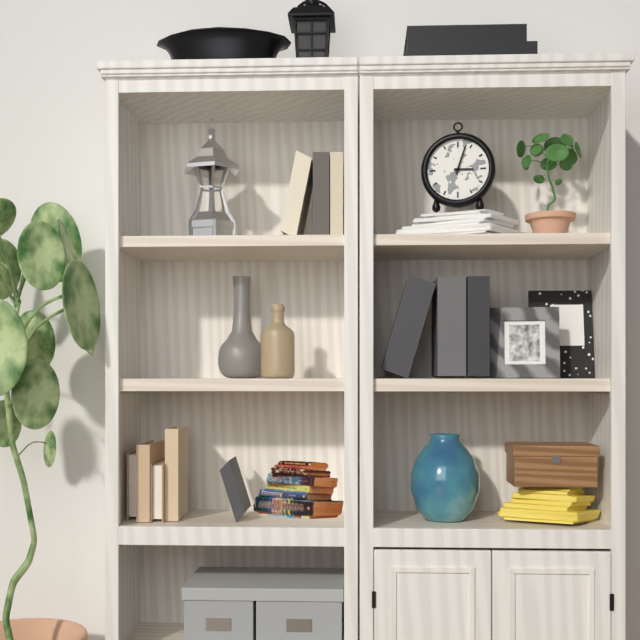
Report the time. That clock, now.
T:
3:03
